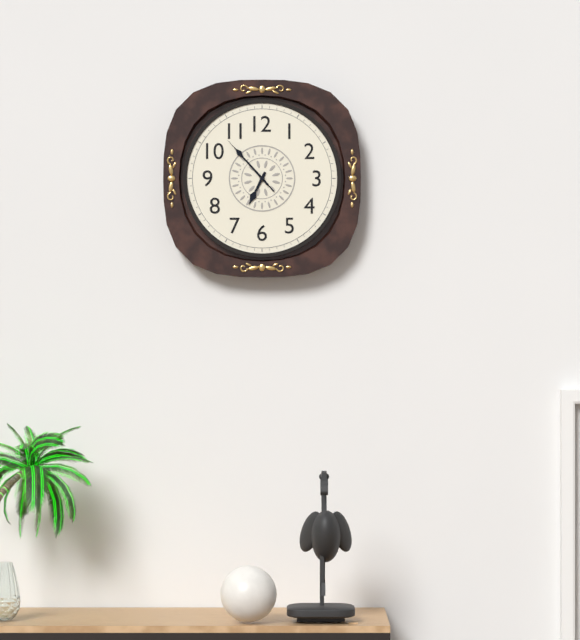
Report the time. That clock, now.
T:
6:53:53
